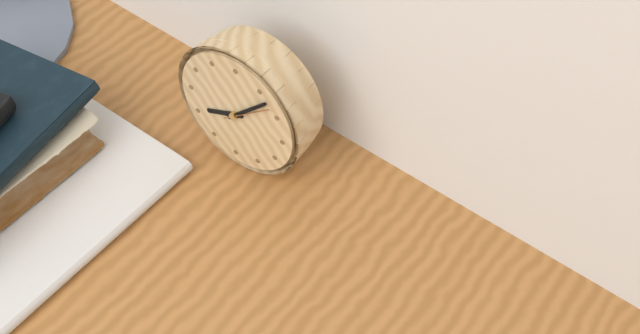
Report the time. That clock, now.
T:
8:07
